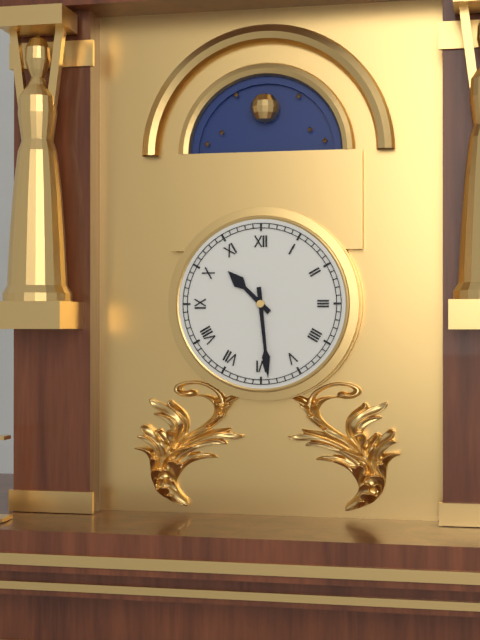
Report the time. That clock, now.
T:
10:29
